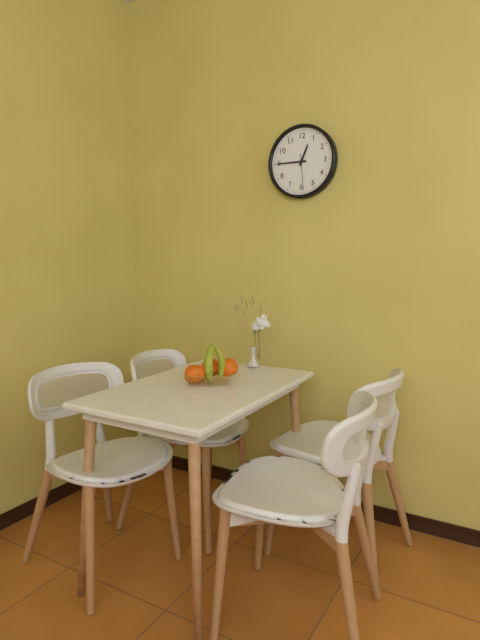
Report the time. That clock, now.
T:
12:45
